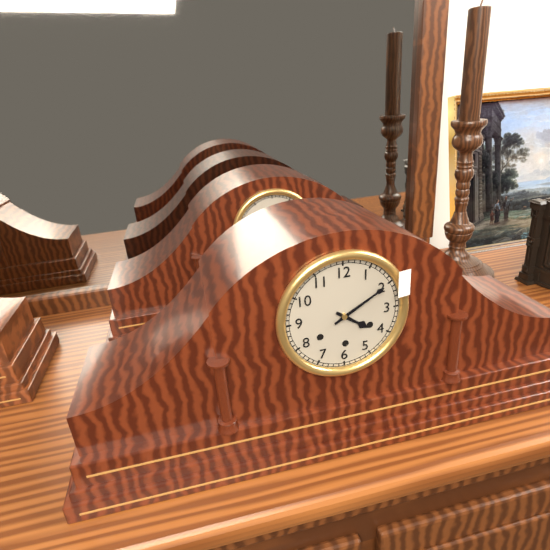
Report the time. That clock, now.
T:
4:10
